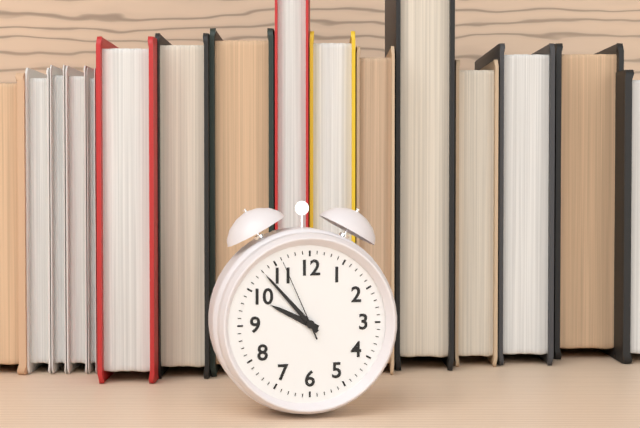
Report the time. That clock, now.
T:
9:53:56
